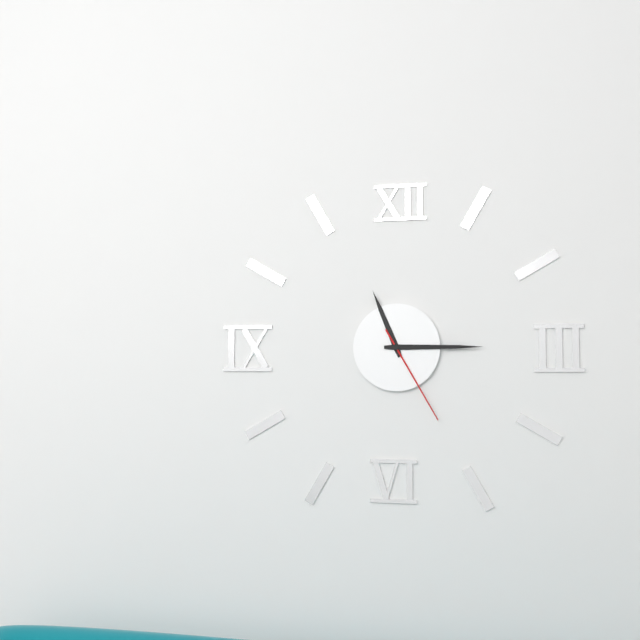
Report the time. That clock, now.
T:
11:15:25
